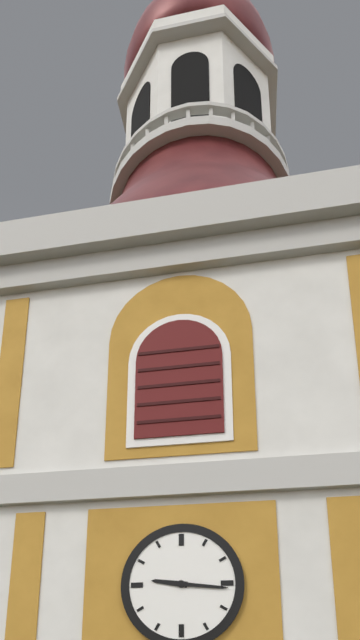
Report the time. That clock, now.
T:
9:16
